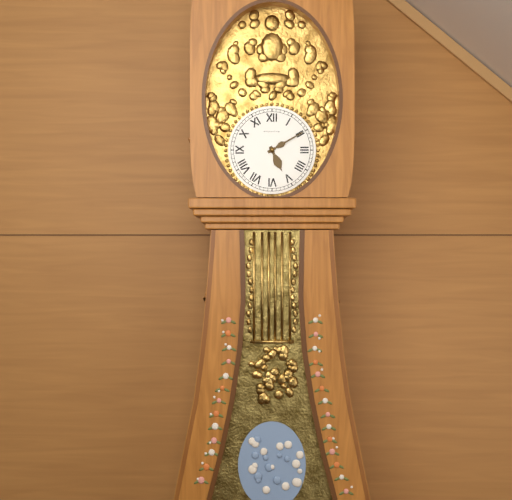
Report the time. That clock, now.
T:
5:10
